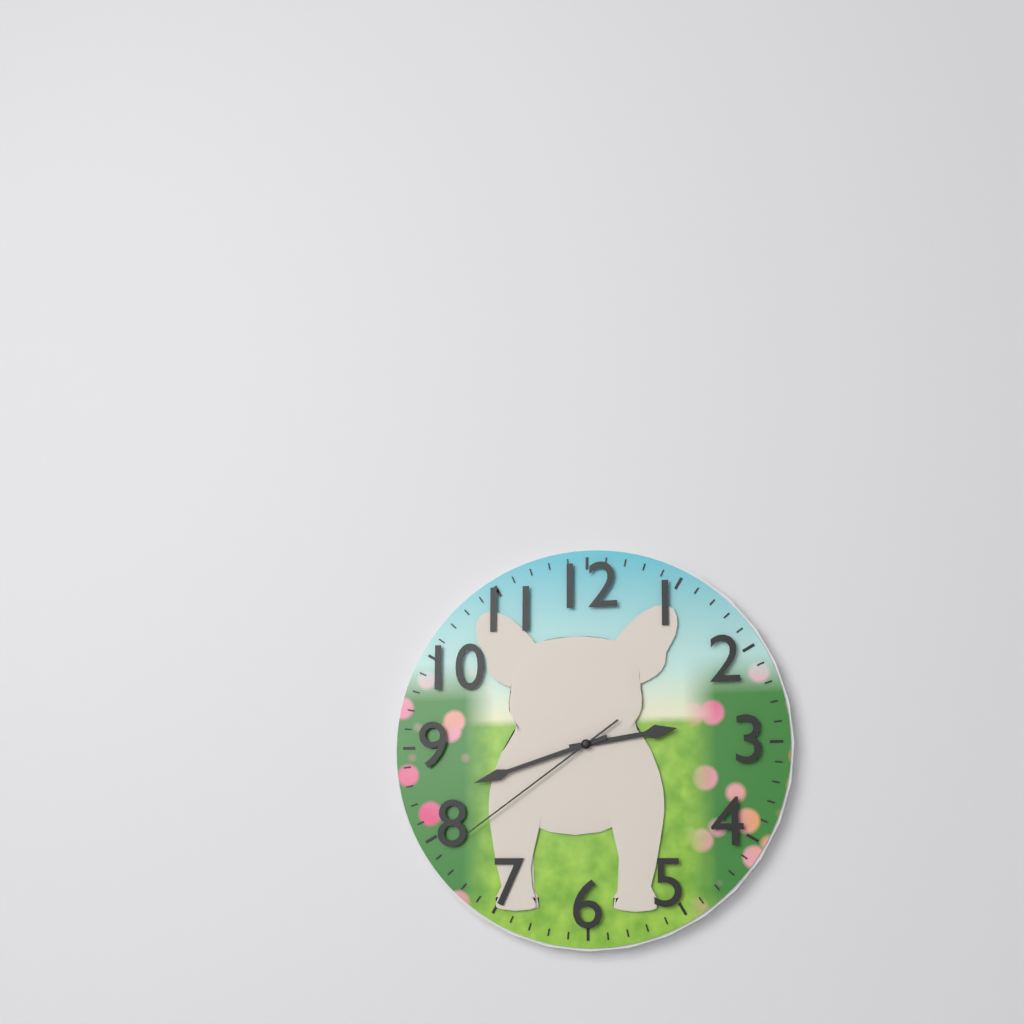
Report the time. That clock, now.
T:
2:42:39
